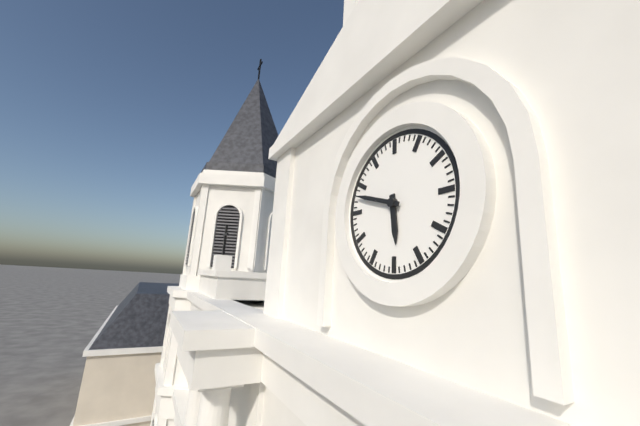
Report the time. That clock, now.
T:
5:48
